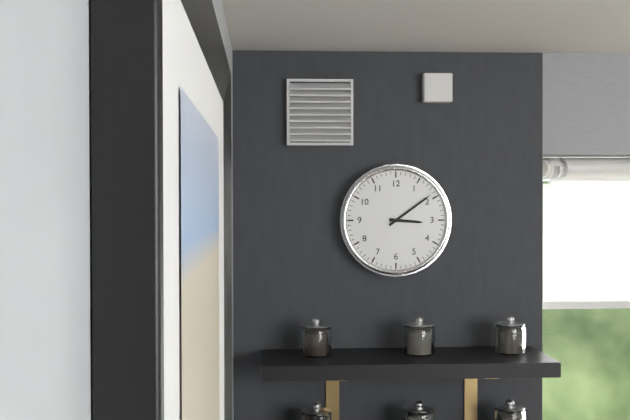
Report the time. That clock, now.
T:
3:09
